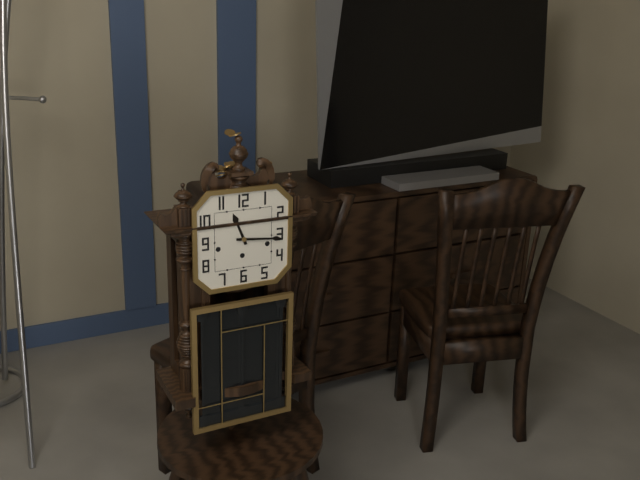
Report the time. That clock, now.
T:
11:16
